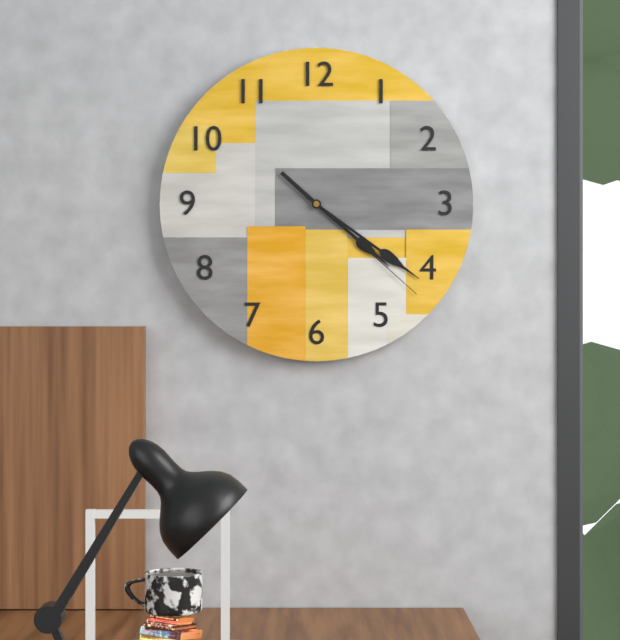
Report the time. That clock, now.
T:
4:21:22
